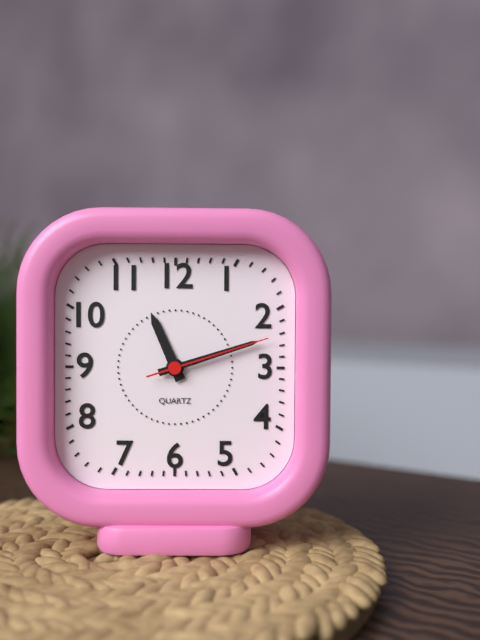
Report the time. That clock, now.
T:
11:12:12
